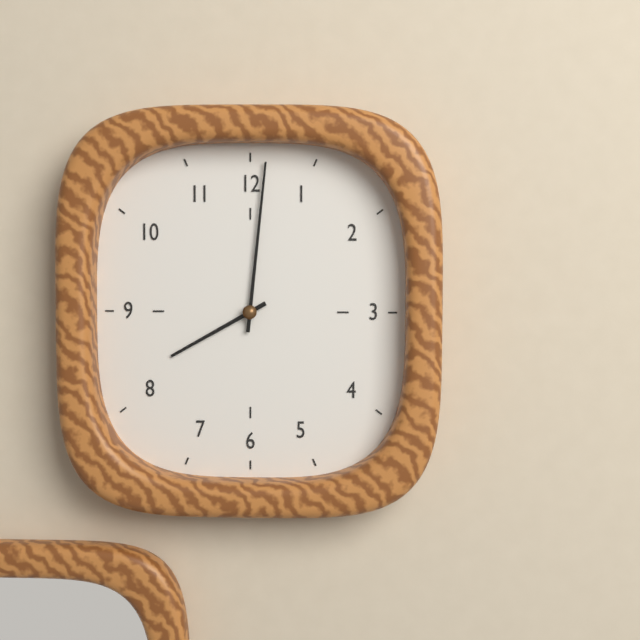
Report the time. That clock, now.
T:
8:01
